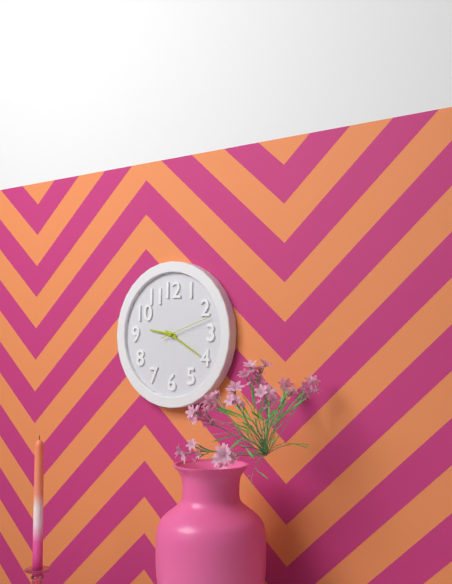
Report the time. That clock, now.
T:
9:20:12
